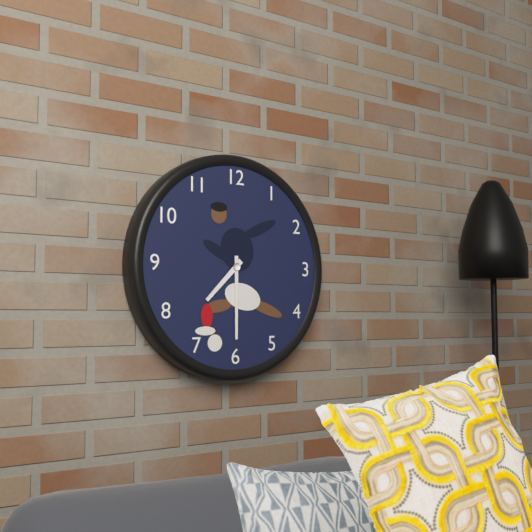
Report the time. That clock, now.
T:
7:30
